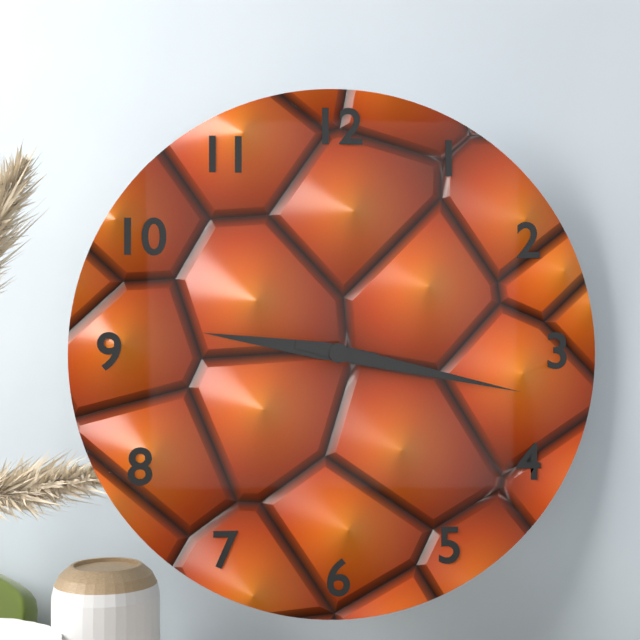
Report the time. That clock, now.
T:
9:17
